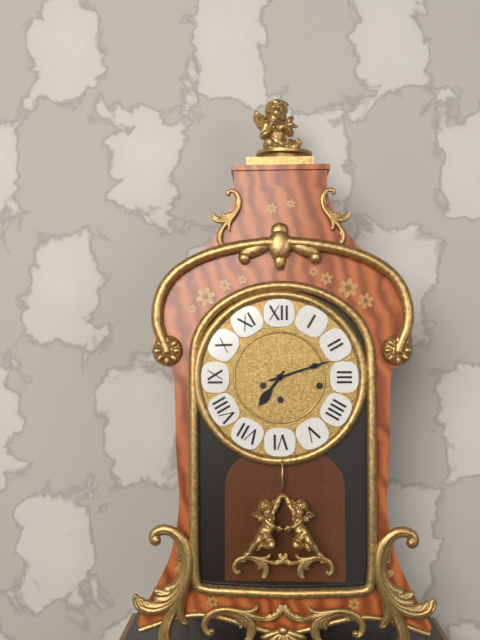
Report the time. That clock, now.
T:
7:12
